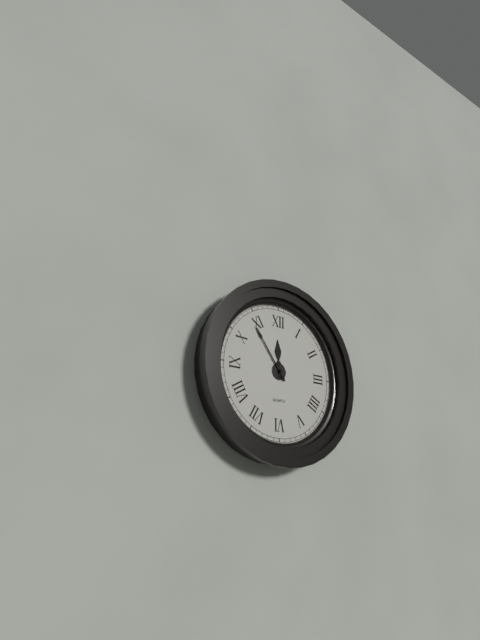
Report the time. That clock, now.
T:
11:54
